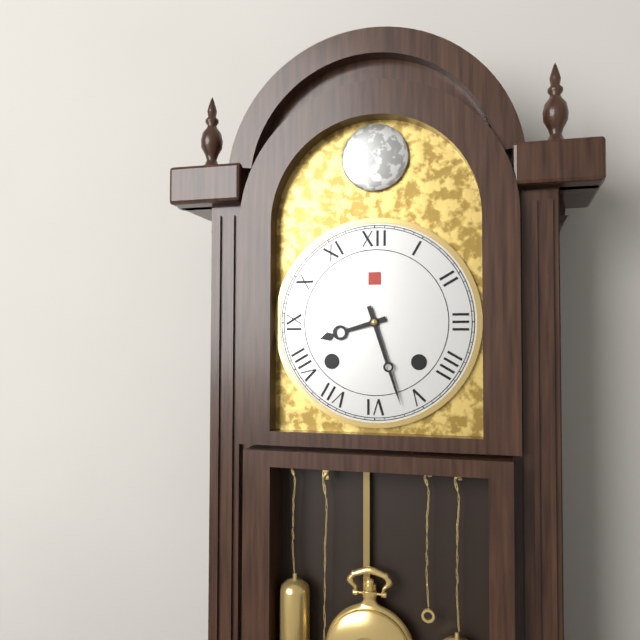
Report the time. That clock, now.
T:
8:27
